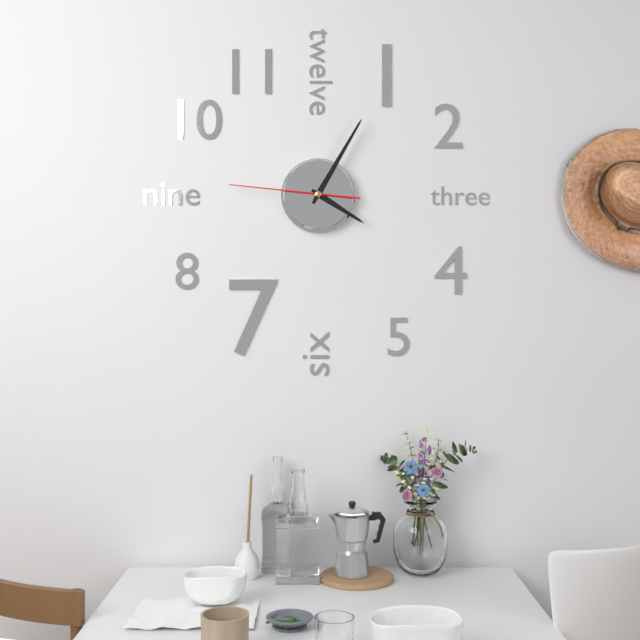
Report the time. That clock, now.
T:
4:05:46
